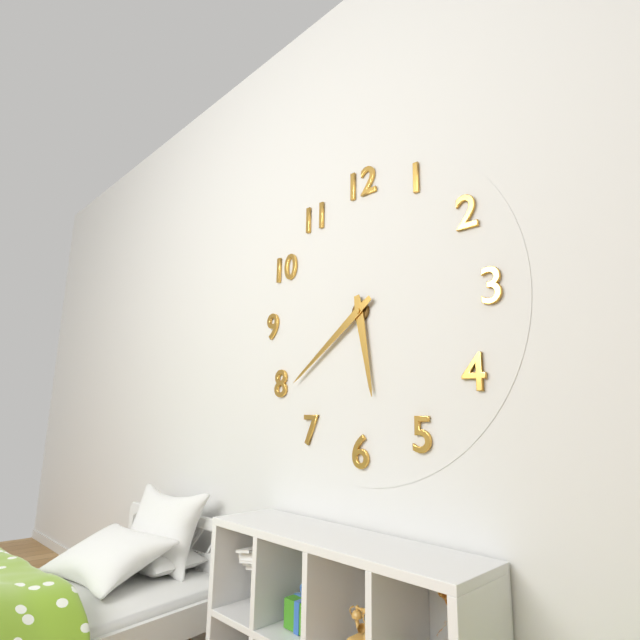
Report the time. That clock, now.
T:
5:39
